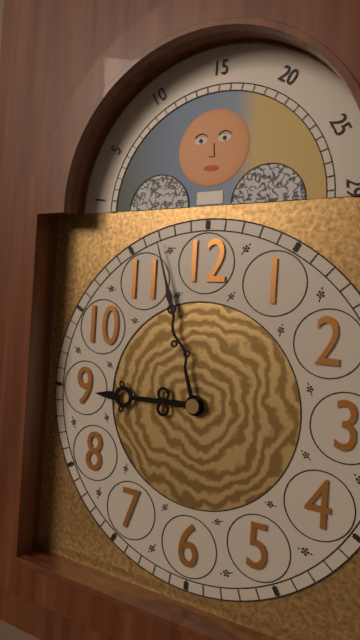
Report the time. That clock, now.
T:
8:57
